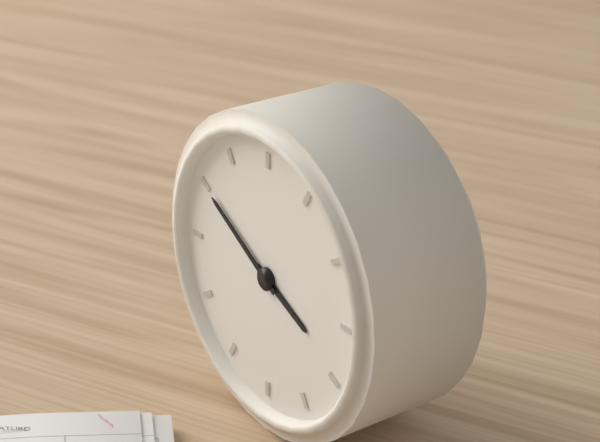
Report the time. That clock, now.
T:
3:50
